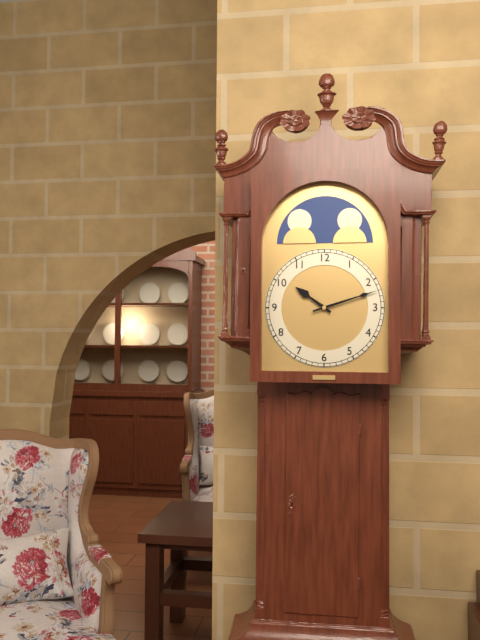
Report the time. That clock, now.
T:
10:12
